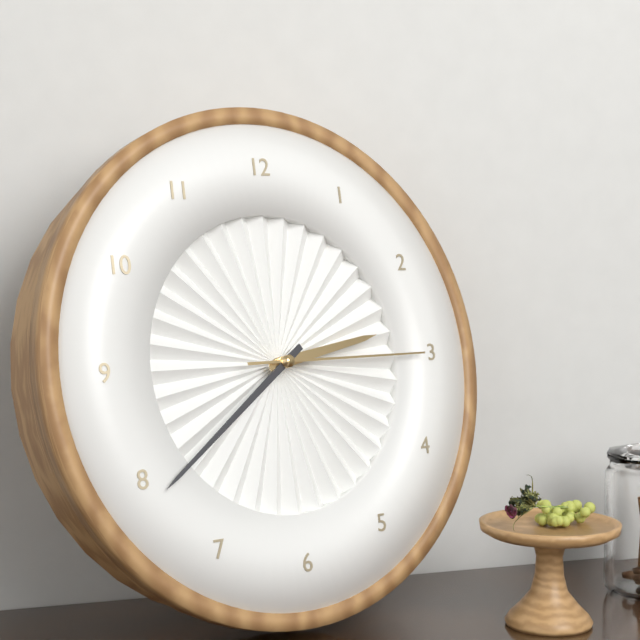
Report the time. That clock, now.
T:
2:39:15
